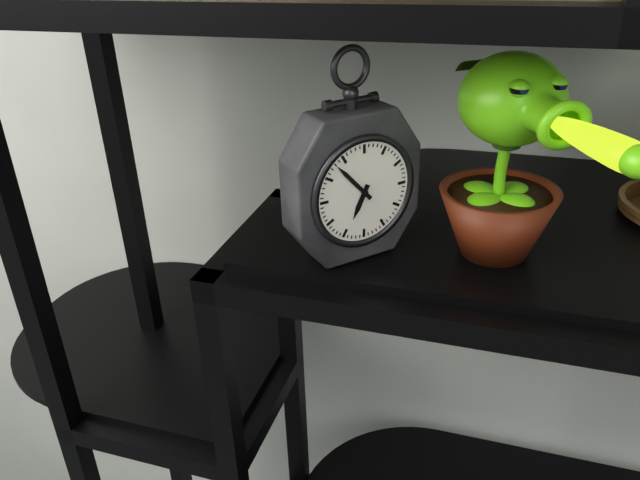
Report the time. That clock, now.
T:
6:53
